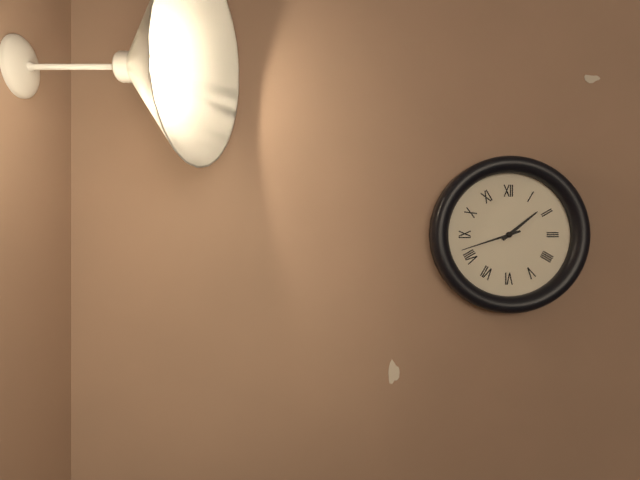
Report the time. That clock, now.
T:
1:42
